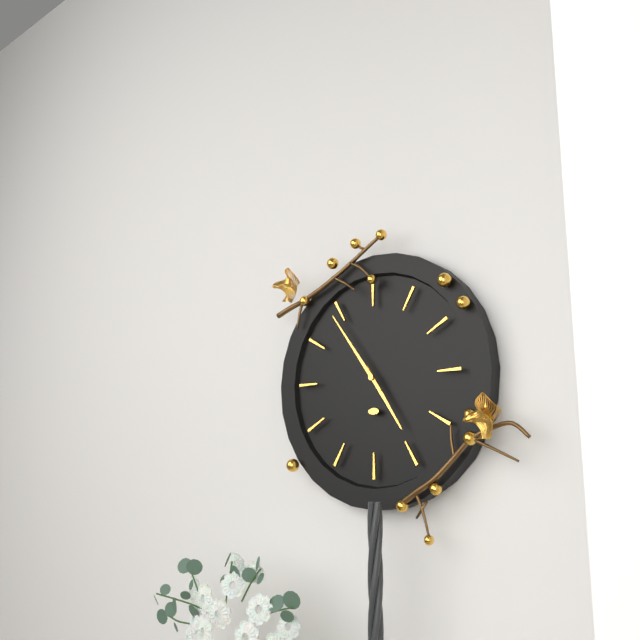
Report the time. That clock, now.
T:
4:54
